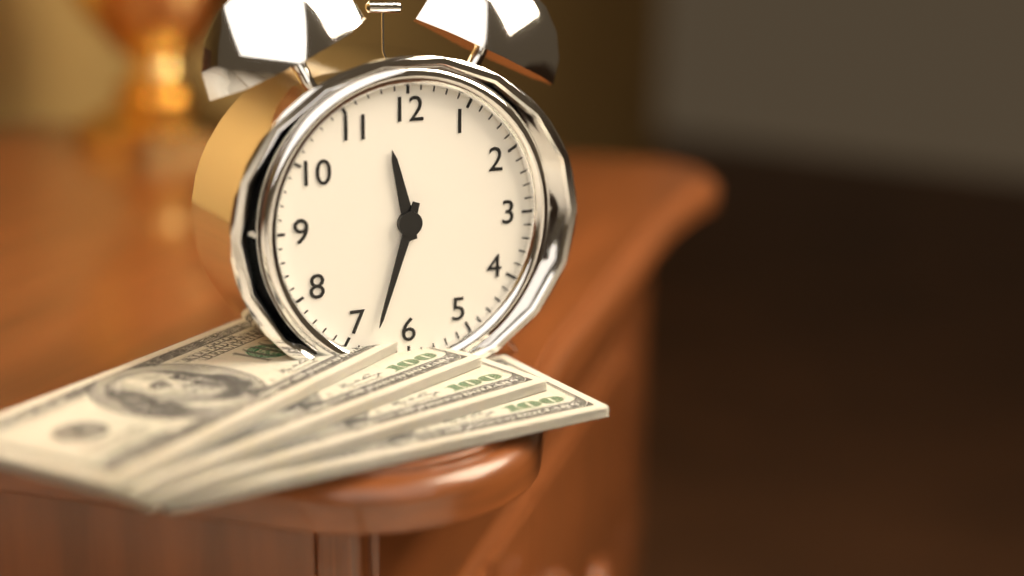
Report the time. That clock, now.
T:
11:33
